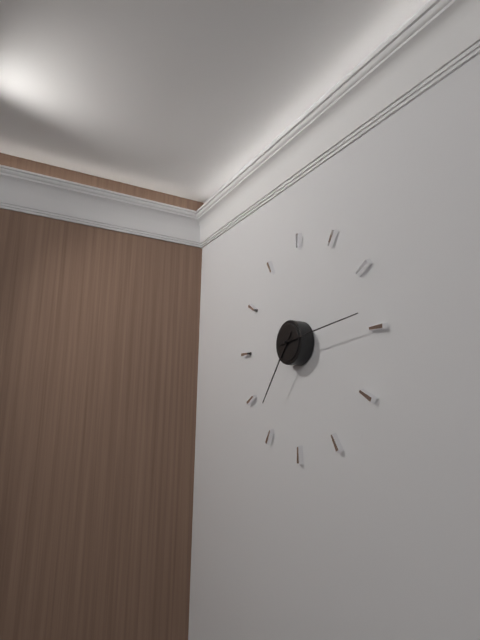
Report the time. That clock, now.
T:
7:14
